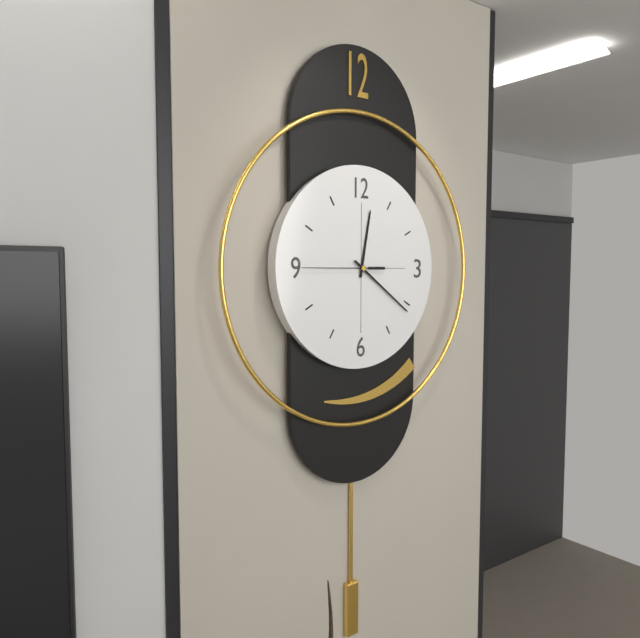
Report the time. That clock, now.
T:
12:21:45
